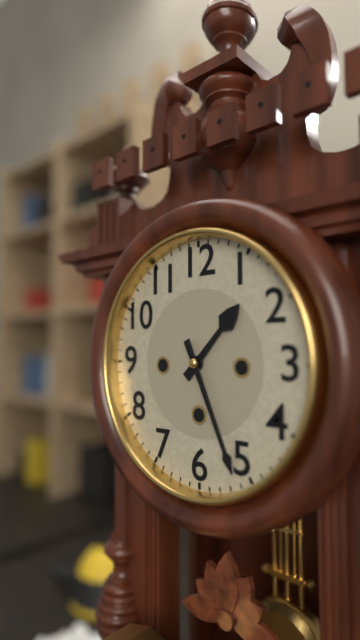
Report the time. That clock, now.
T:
1:26
